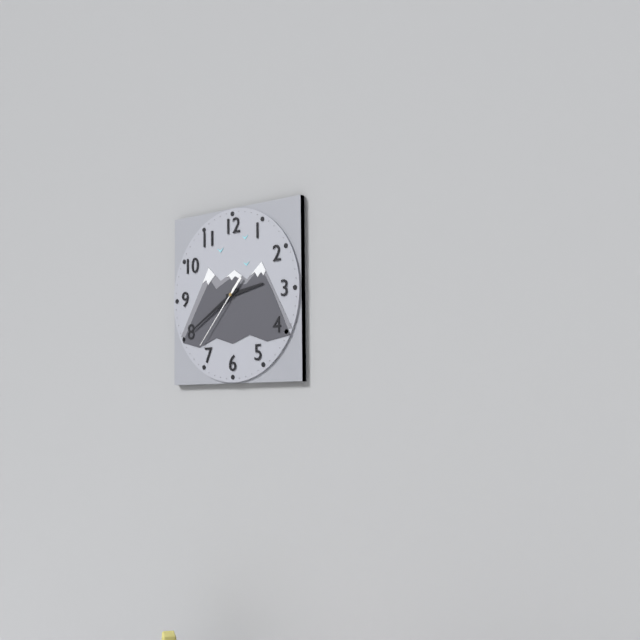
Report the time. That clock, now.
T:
2:40:37
